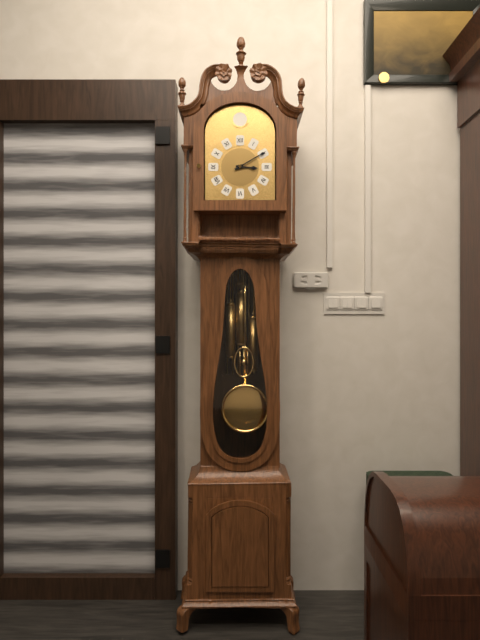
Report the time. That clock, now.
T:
3:10
